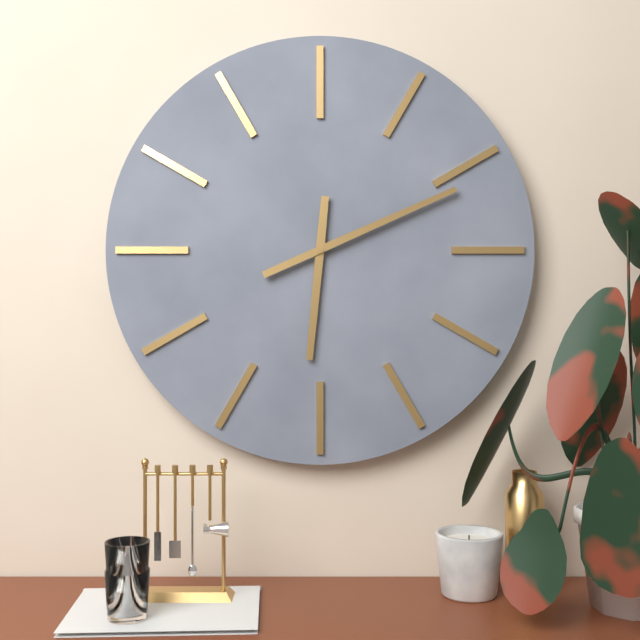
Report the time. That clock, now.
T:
6:11
